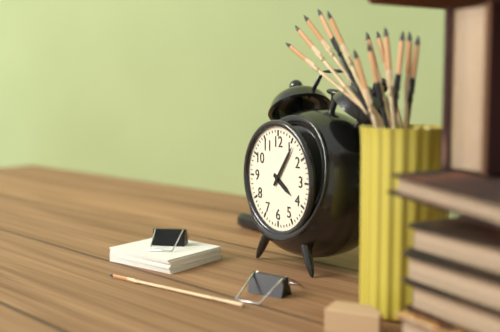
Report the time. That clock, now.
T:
4:06
